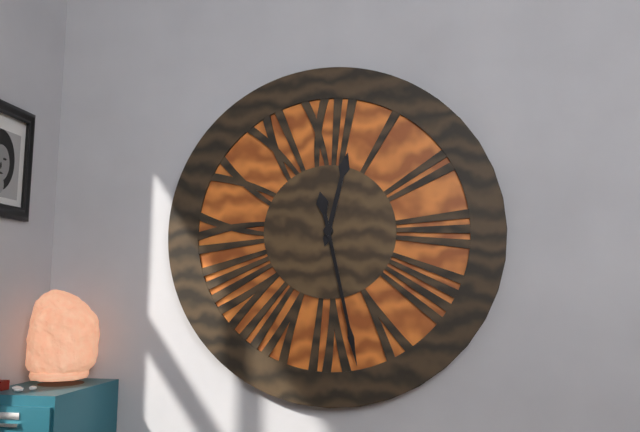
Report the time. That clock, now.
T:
12:28
